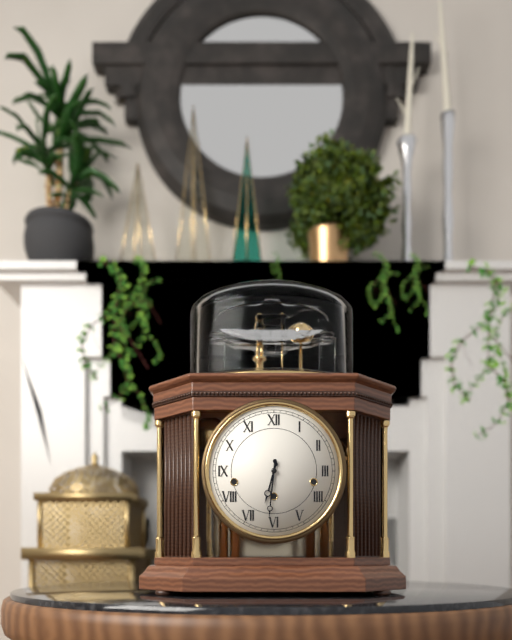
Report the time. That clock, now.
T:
6:31
